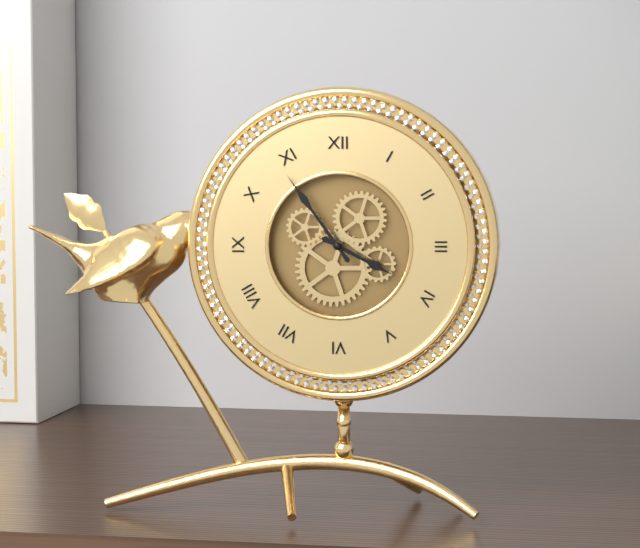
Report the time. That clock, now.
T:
3:54
